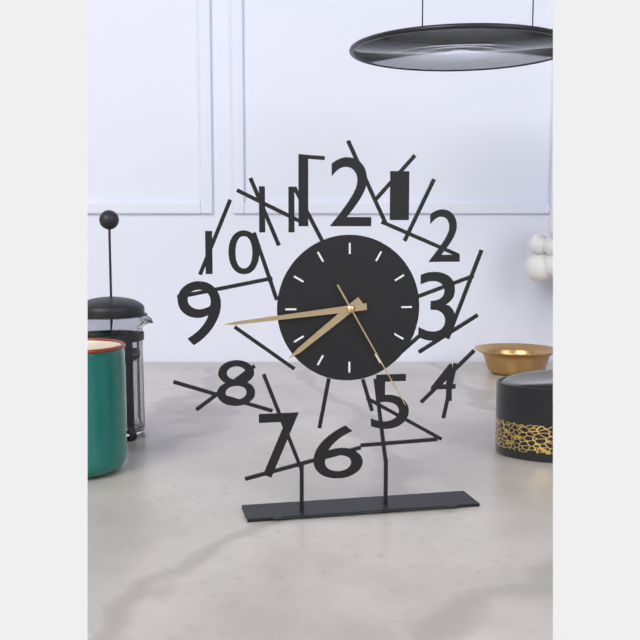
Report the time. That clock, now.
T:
7:44:25
